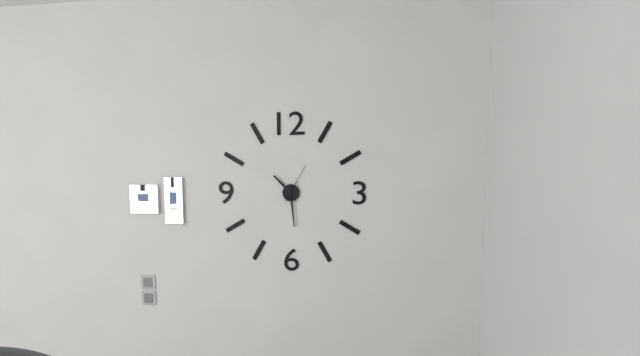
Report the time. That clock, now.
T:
10:29
